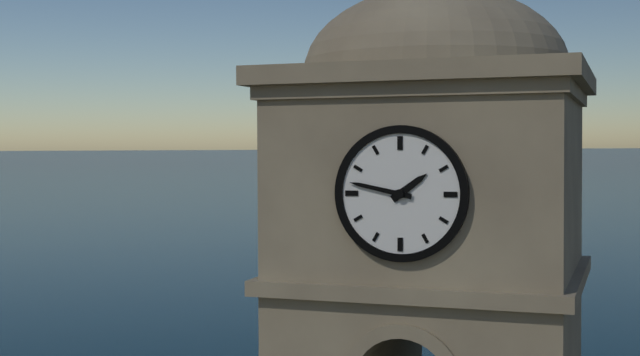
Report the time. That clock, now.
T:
1:47
